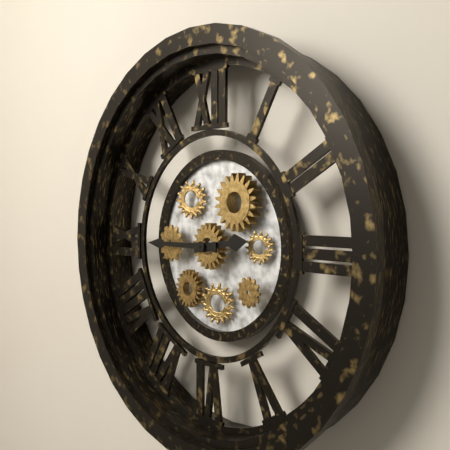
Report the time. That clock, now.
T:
2:45
